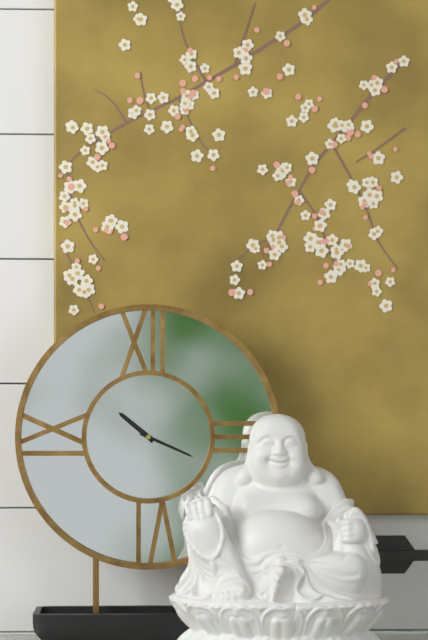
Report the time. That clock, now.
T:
10:19
